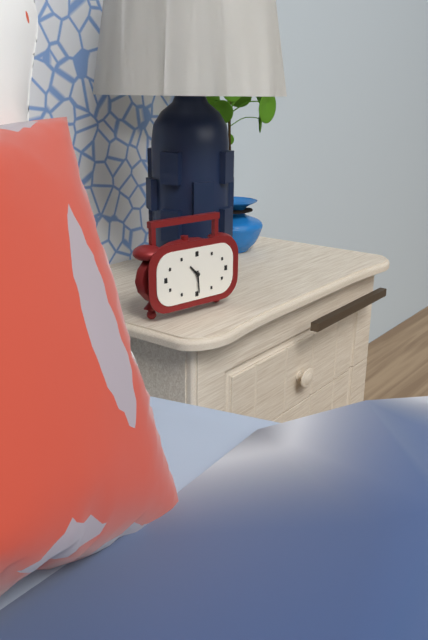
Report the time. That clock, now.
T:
10:29
